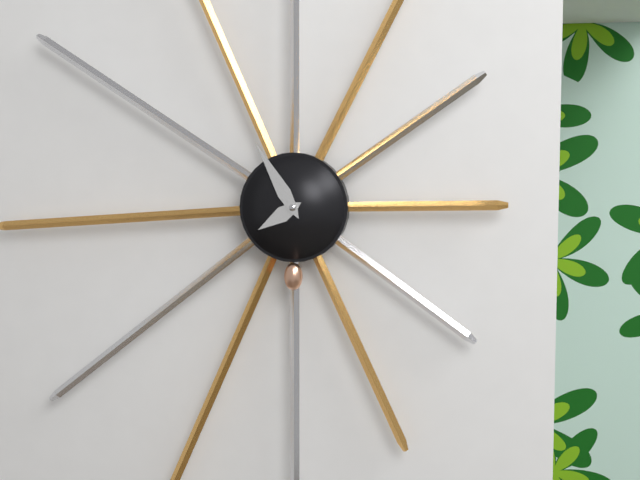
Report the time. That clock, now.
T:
7:55
